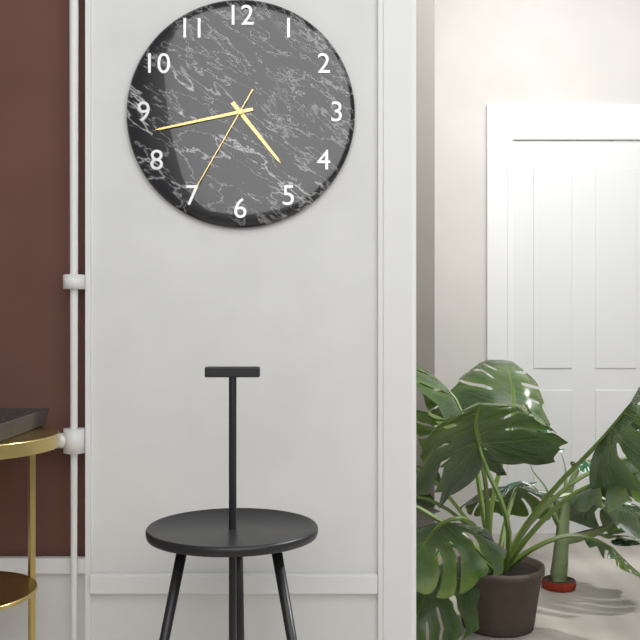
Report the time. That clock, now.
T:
4:43:35
